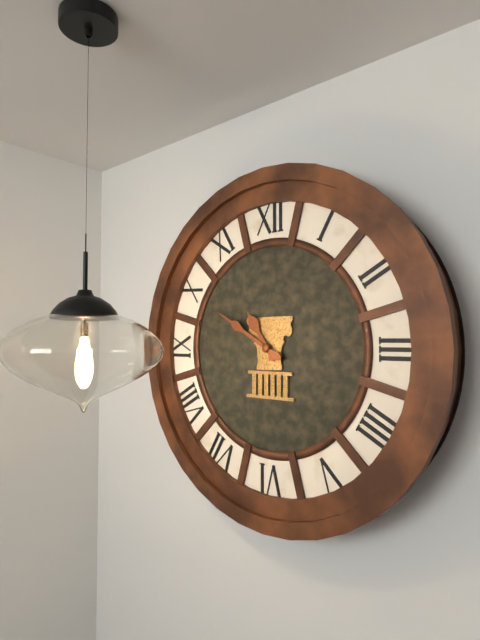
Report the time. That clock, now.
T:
10:50
